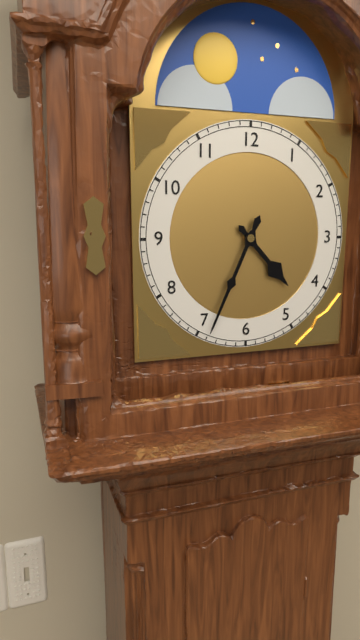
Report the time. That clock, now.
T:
4:34
